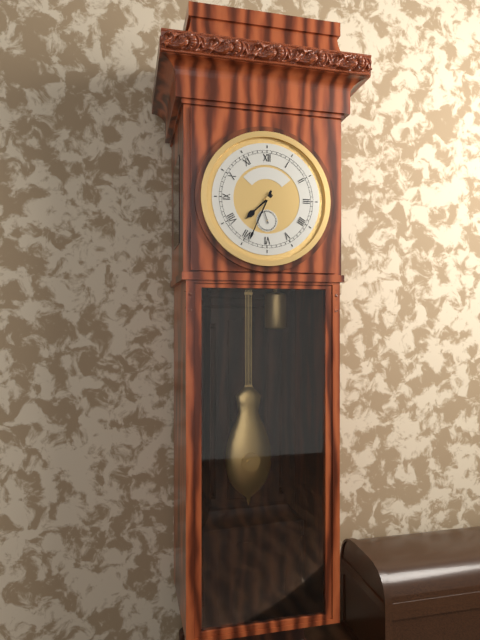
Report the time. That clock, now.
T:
7:34
